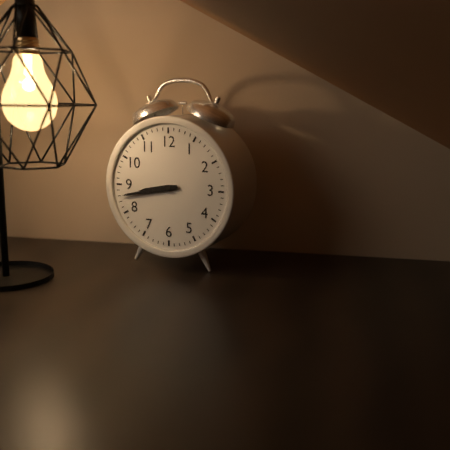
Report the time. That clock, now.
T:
8:43
